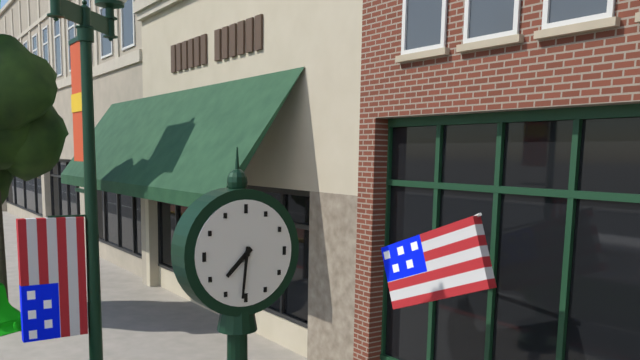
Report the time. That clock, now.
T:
7:31
